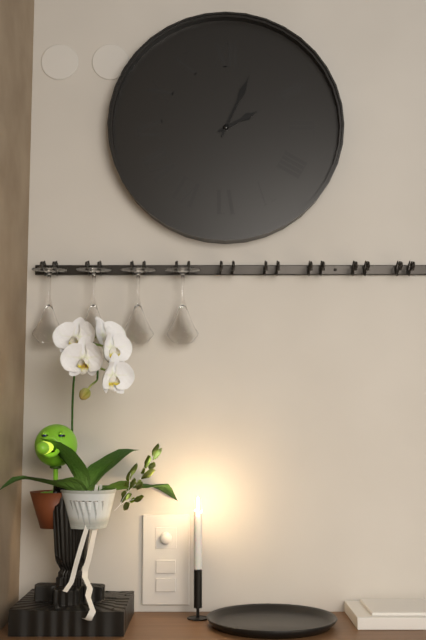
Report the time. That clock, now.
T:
2:04
